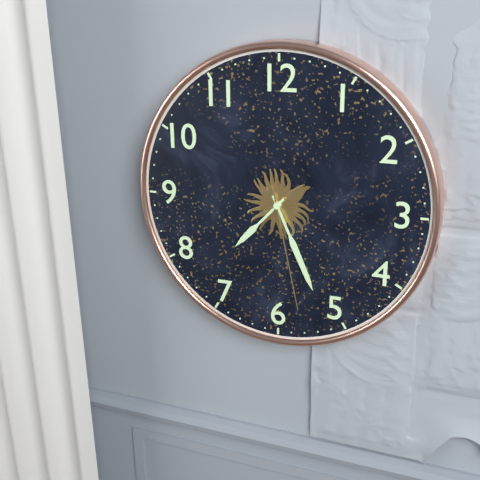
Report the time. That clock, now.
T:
7:26:28
